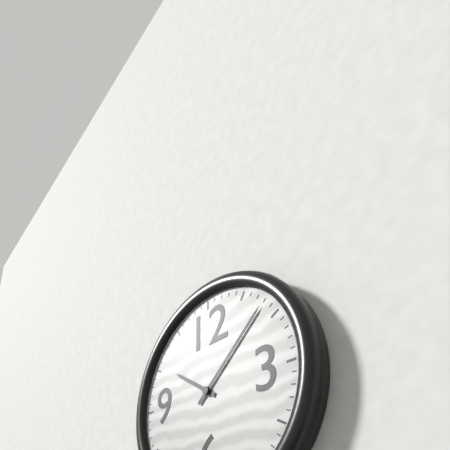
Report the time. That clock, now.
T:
10:08
